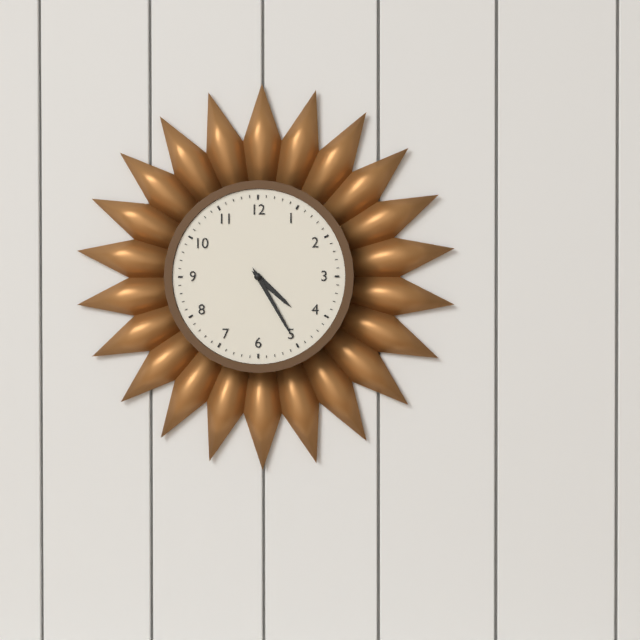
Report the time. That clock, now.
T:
4:25
